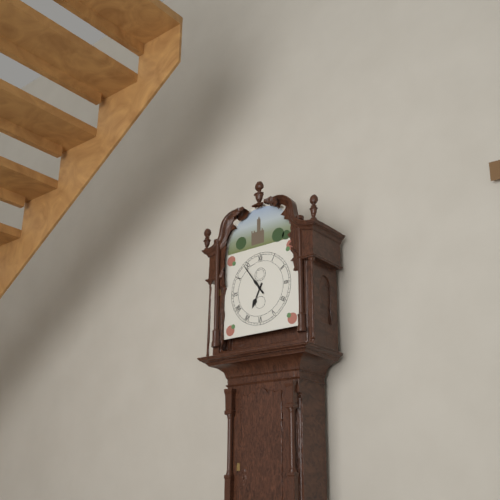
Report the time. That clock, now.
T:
6:54
